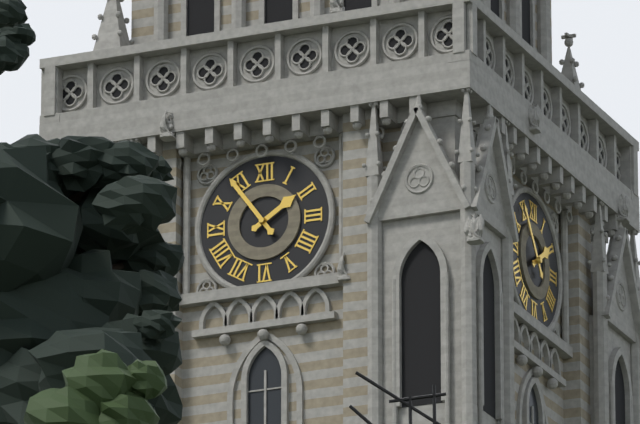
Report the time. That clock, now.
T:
1:54
